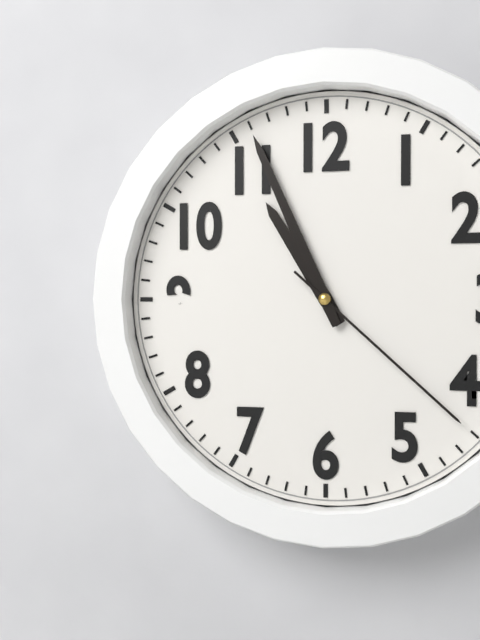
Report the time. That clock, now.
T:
10:56:22
